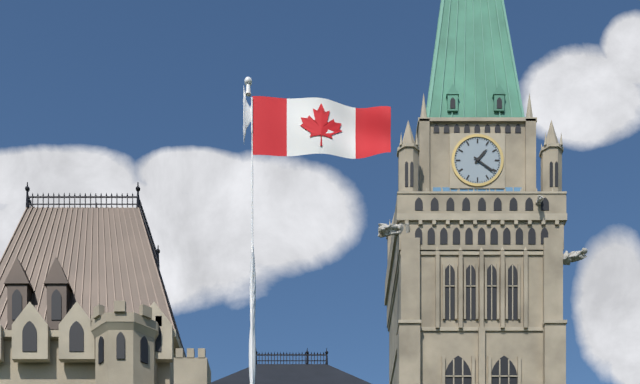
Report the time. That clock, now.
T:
1:21
